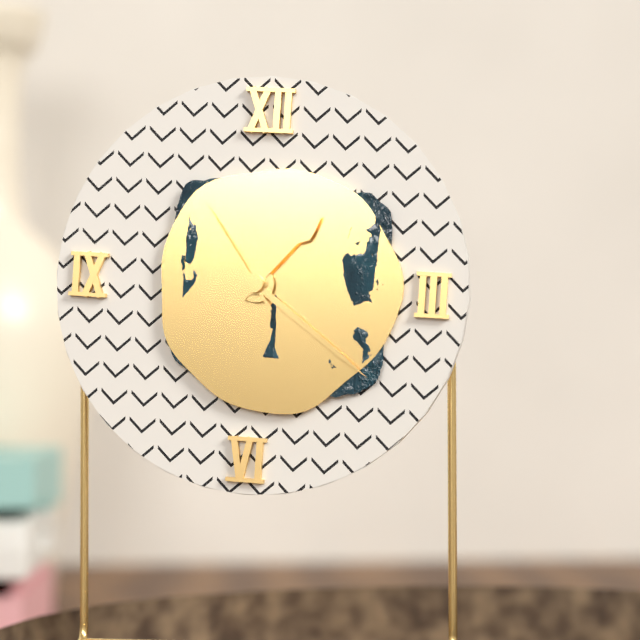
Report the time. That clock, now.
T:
1:21:54
